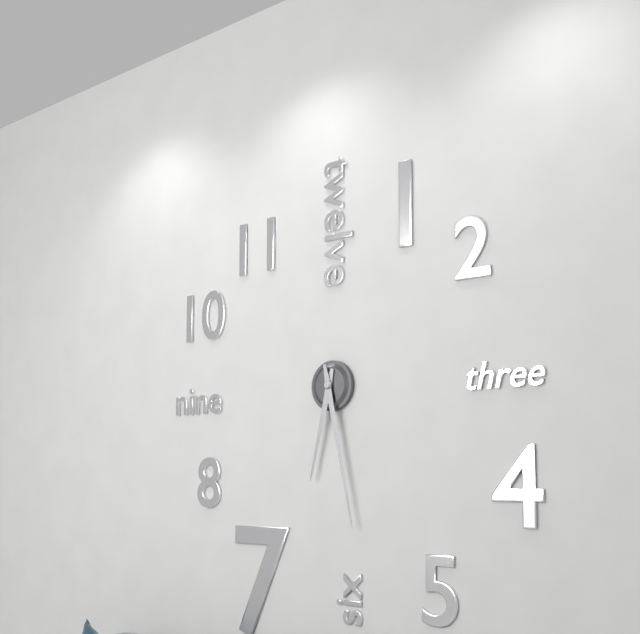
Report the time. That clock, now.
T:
6:28
